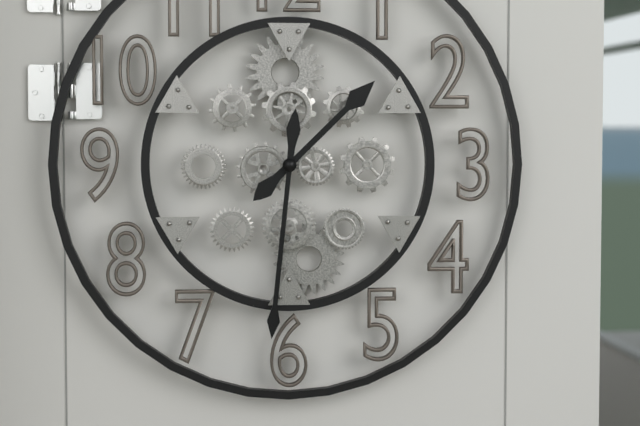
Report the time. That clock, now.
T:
1:31
